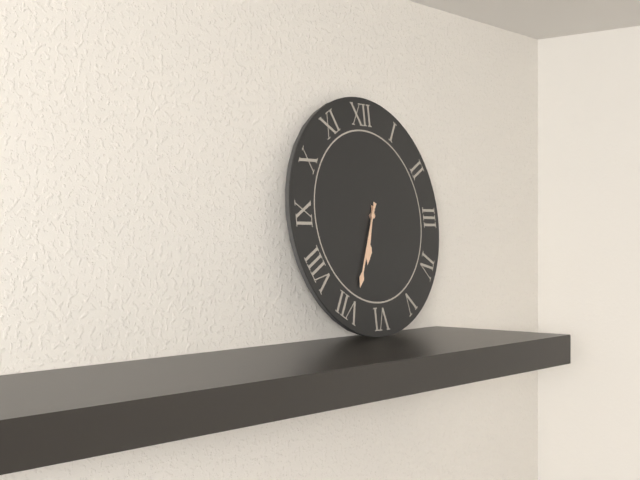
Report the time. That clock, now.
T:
6:34
